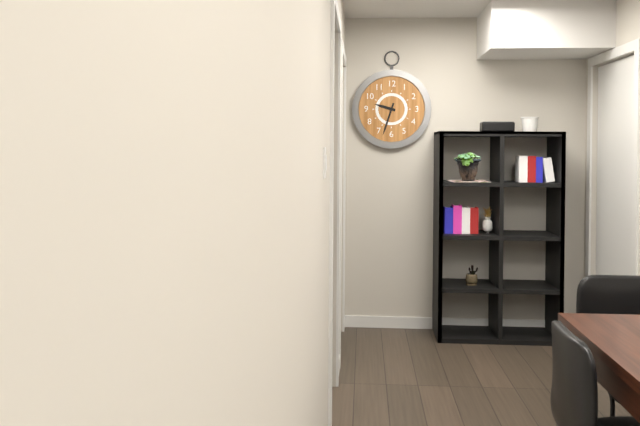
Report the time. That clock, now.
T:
9:33
